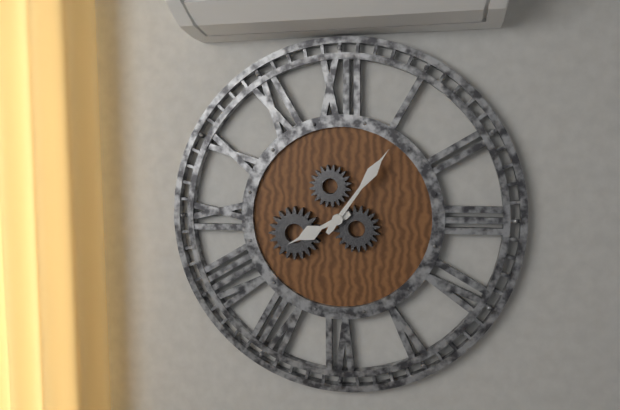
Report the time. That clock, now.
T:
8:06
